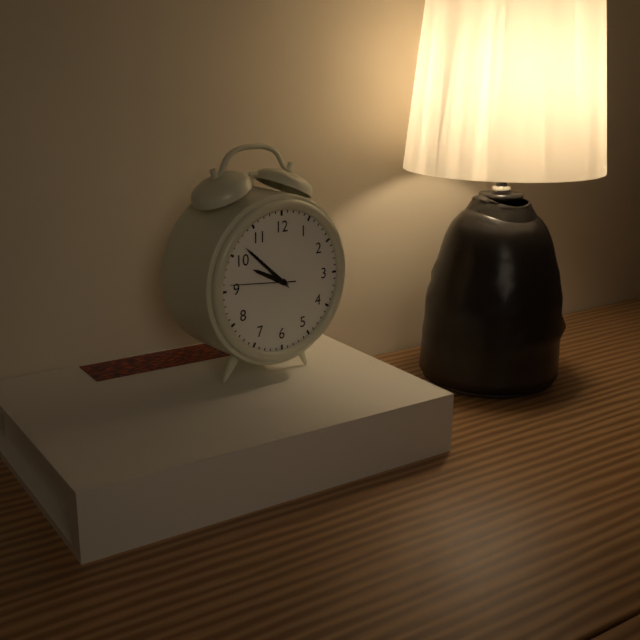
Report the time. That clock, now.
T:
9:52:46
